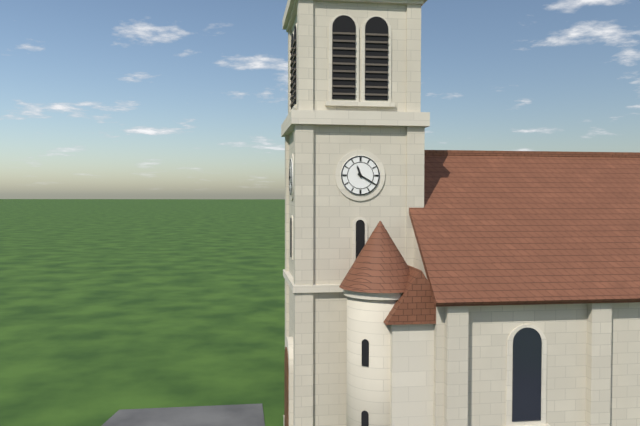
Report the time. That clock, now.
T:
11:20
